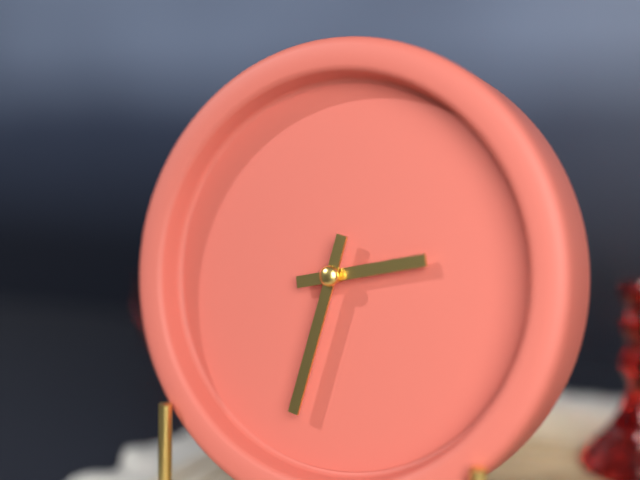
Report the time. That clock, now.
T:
2:32
